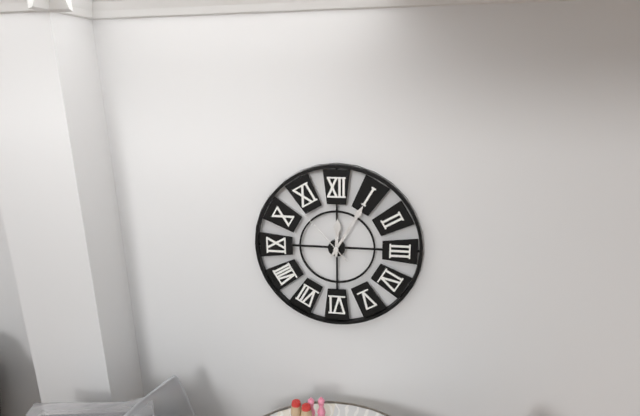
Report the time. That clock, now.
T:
12:05:53
